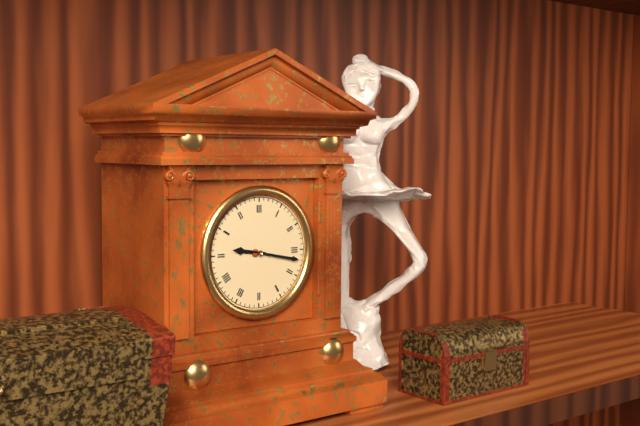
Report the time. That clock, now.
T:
9:17
